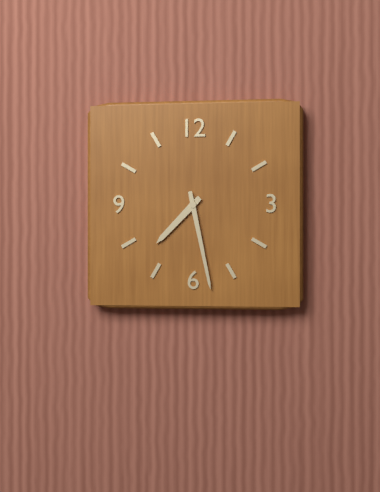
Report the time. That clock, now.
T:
7:28
